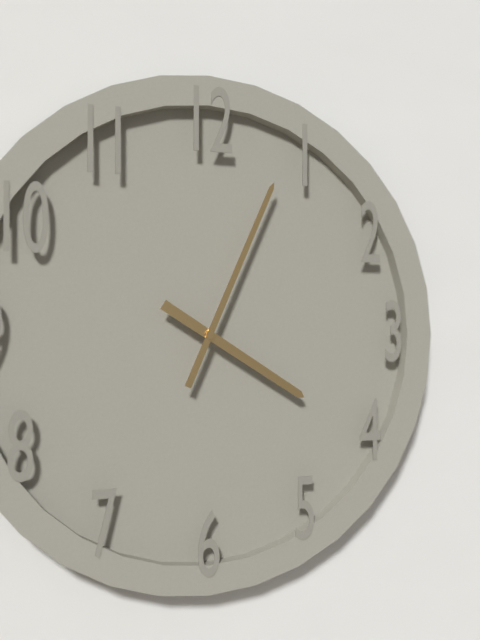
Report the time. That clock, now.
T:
4:04
